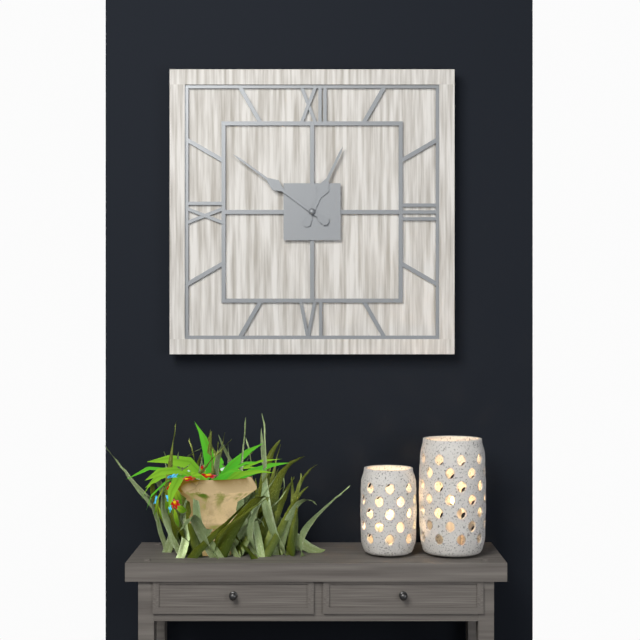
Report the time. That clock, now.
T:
12:51
